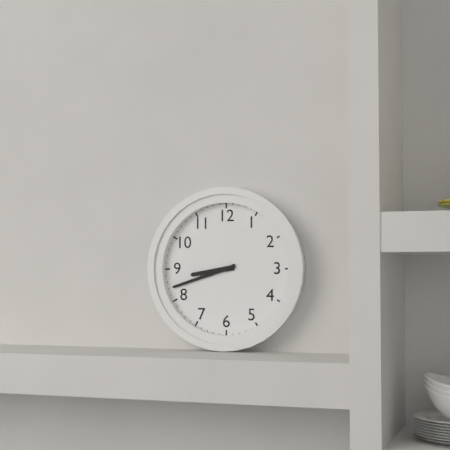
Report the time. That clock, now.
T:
8:42
